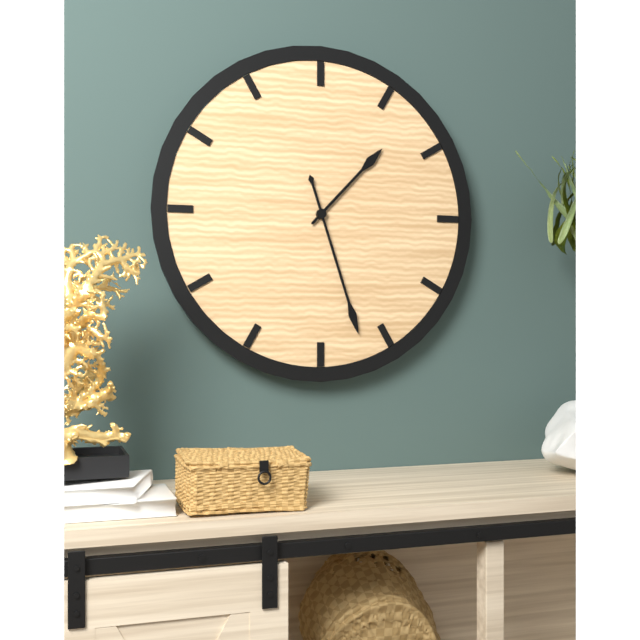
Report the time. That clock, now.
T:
1:27
